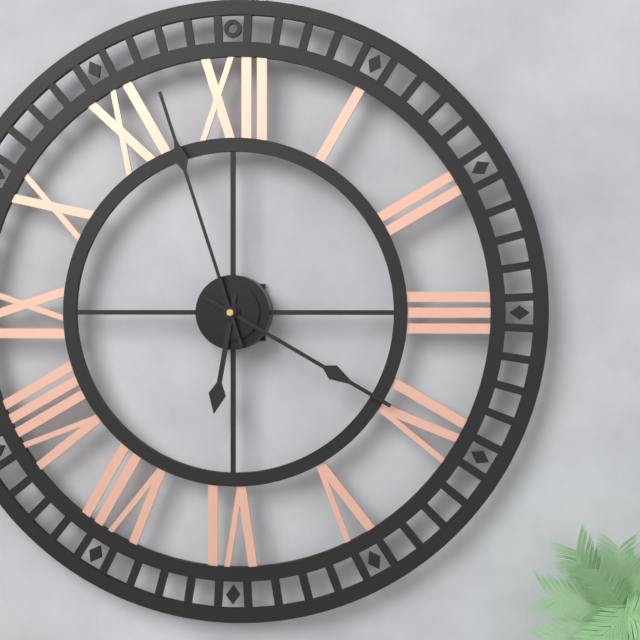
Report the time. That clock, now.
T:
6:20:57
